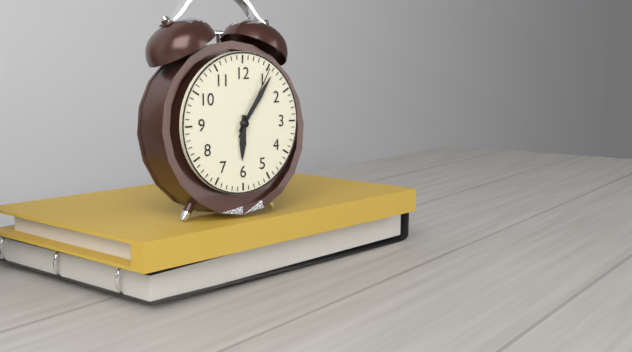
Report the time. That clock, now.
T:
6:06:05
